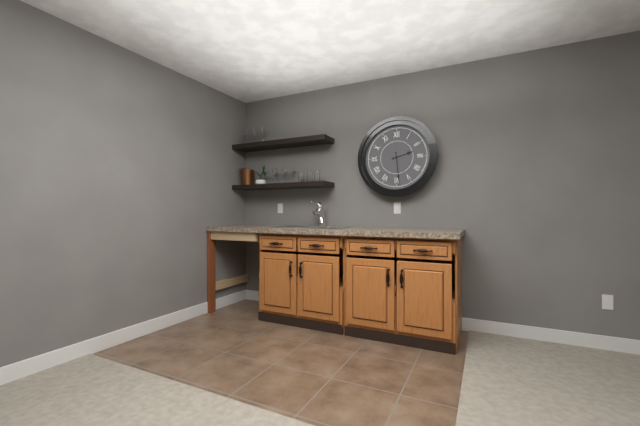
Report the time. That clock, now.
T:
2:29
